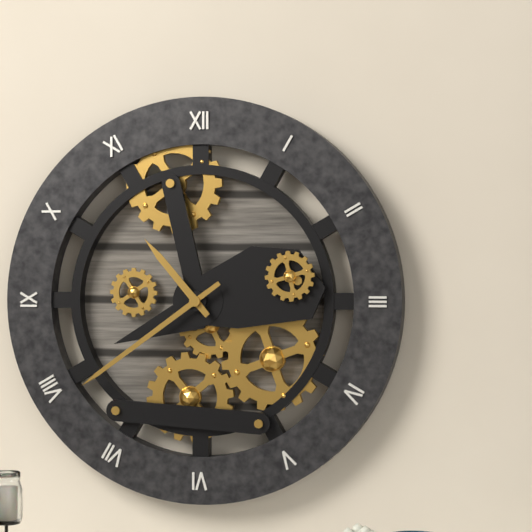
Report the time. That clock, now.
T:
10:39
